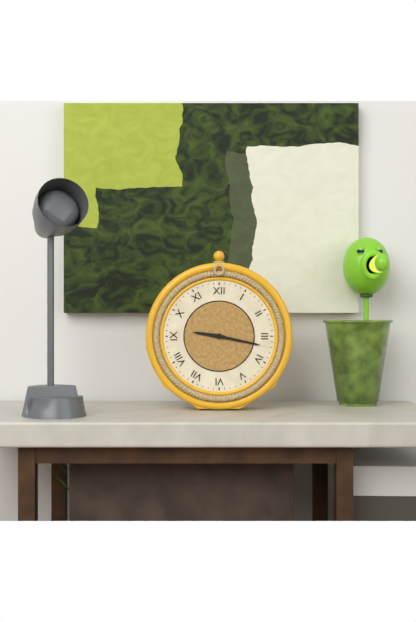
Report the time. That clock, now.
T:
9:17
